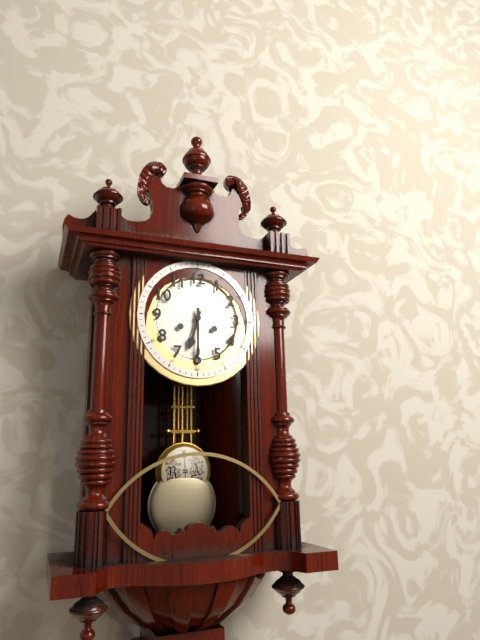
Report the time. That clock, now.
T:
6:30
